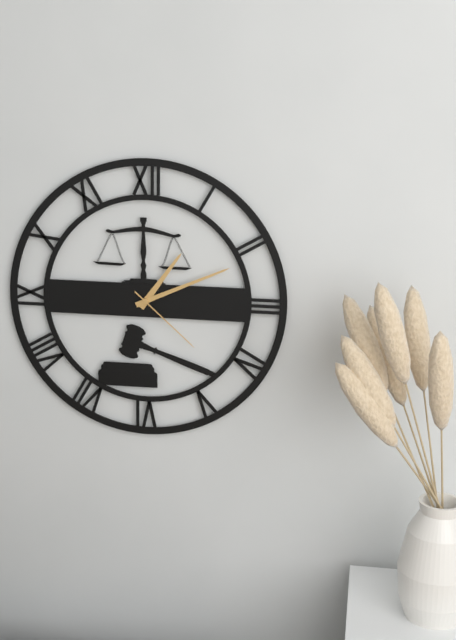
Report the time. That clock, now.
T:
1:11:22
